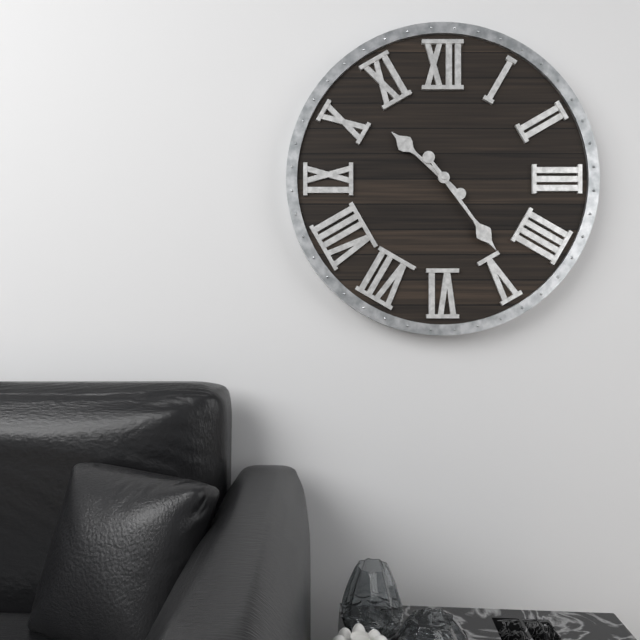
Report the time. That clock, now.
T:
10:24
